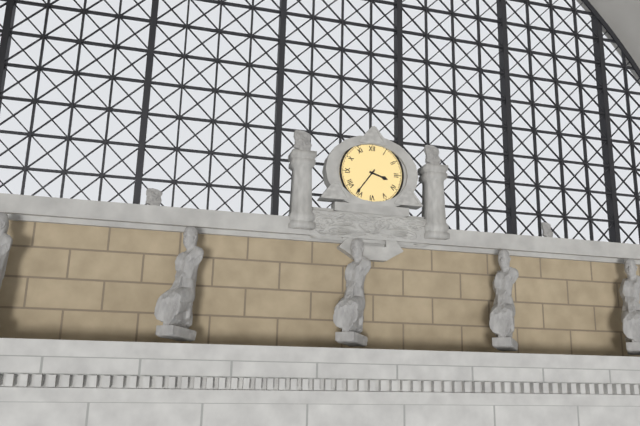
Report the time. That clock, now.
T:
3:36
